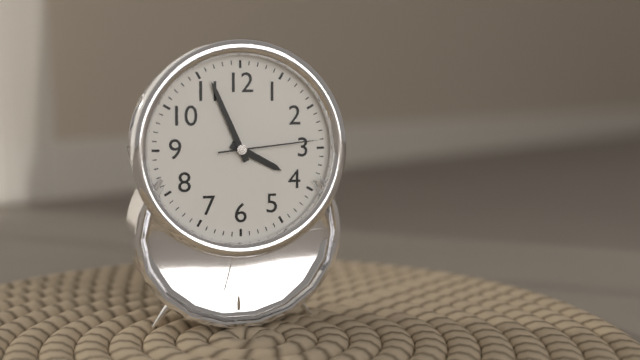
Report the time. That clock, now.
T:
3:56:14
